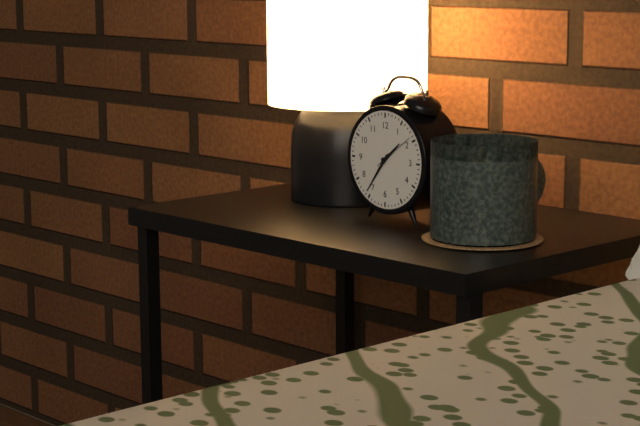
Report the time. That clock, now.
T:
1:36
